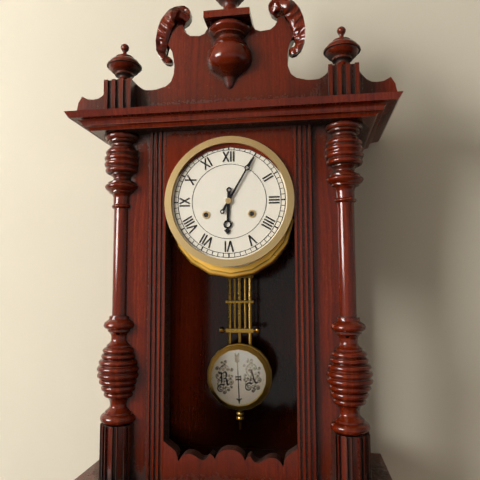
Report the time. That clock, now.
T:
6:05
